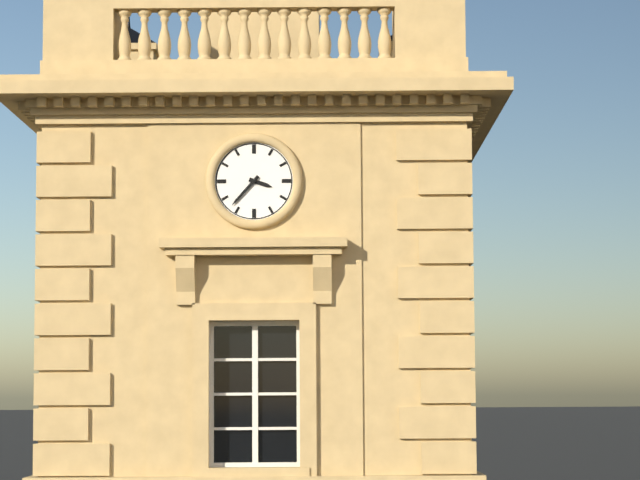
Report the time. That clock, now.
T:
3:37
